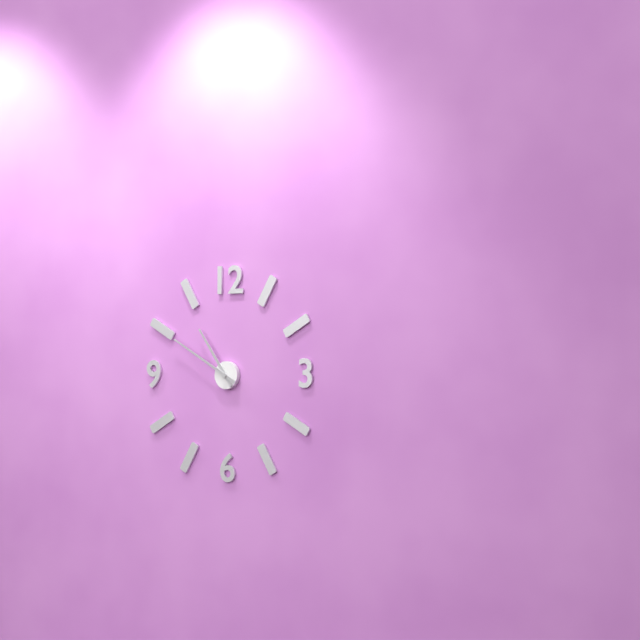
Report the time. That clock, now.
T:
10:50
